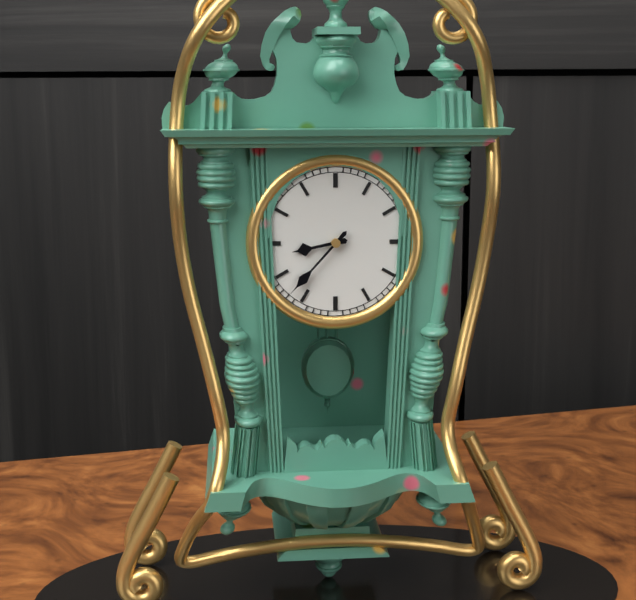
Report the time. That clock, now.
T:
8:37
